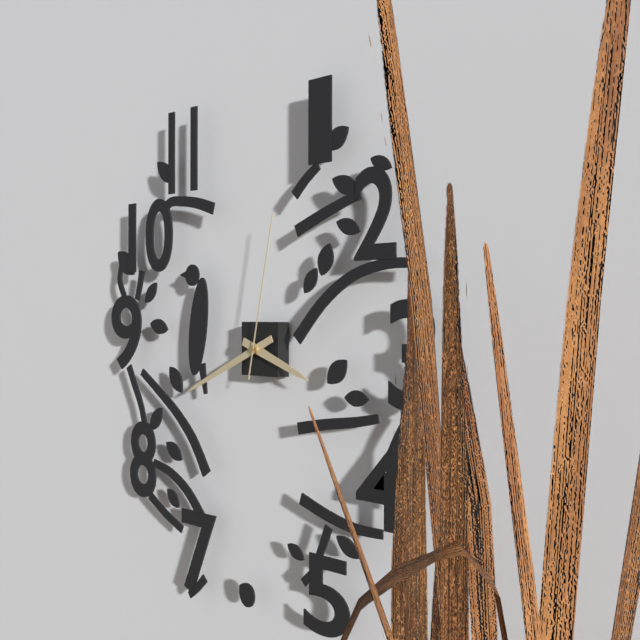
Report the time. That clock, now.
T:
3:41:02
